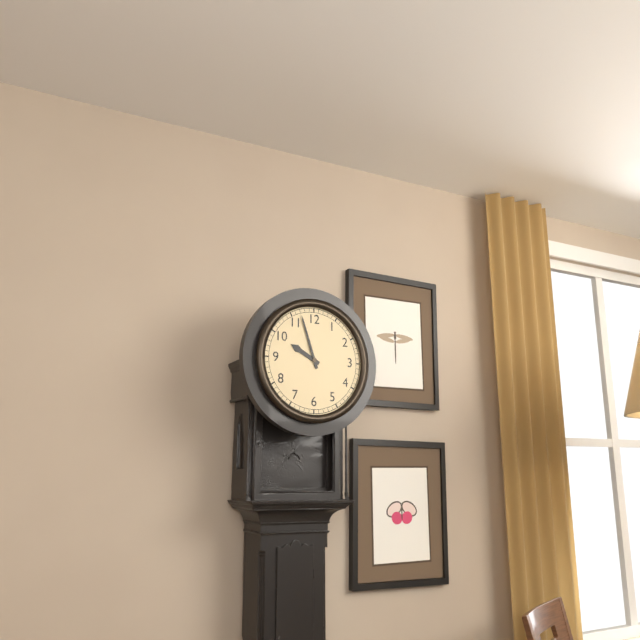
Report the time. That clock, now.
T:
9:57
